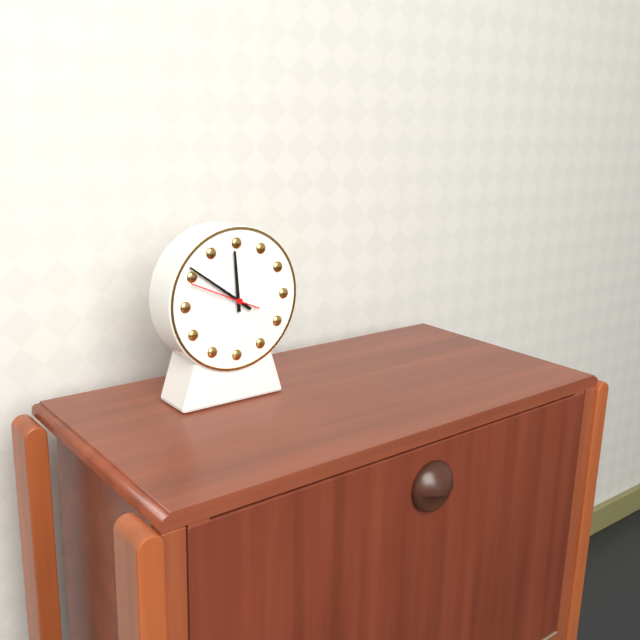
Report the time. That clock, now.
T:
11:51:49
